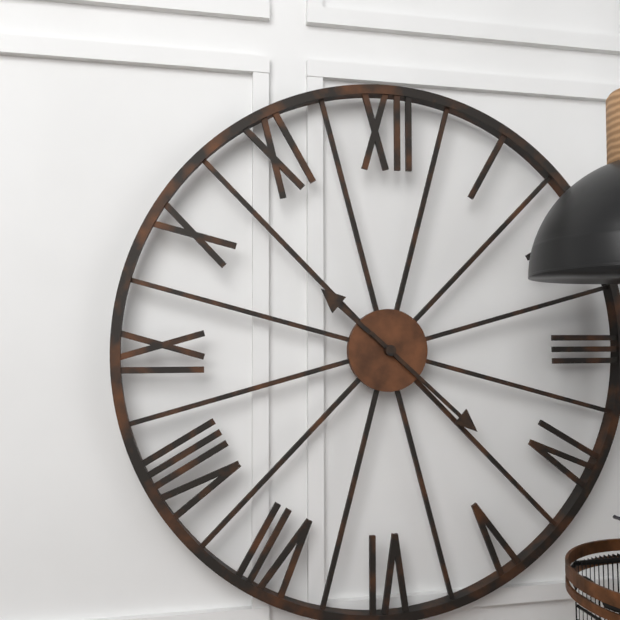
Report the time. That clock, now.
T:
10:22
